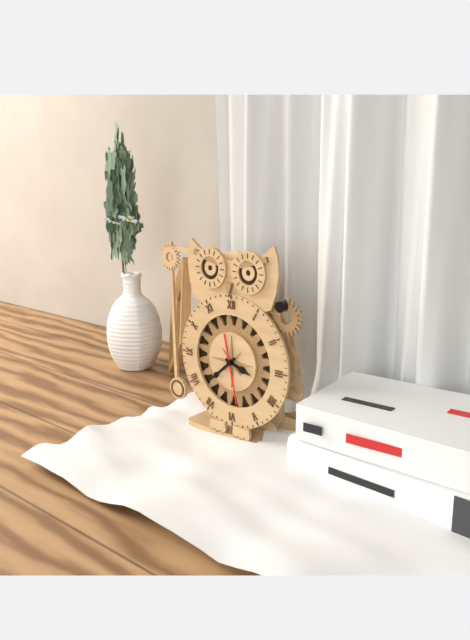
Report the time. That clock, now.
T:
3:38:28
